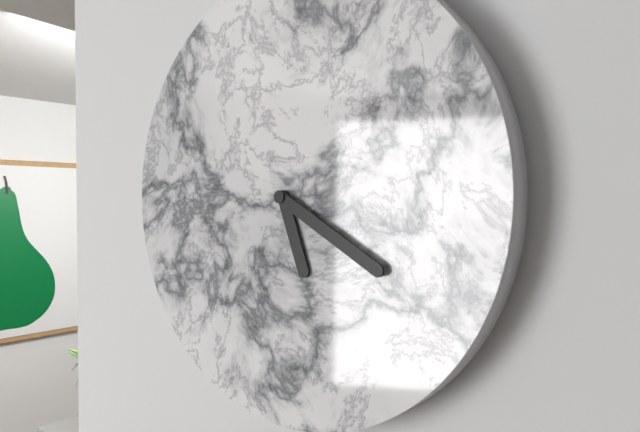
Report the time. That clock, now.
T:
5:20
